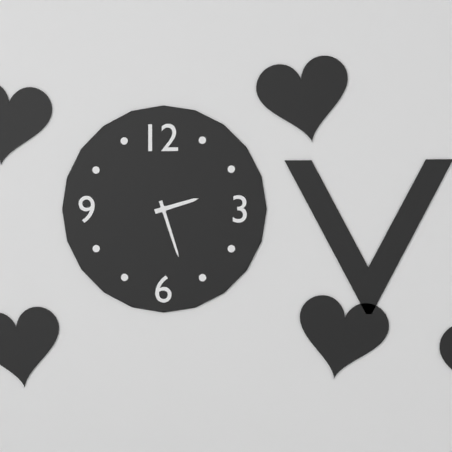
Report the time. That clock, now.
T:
2:27
